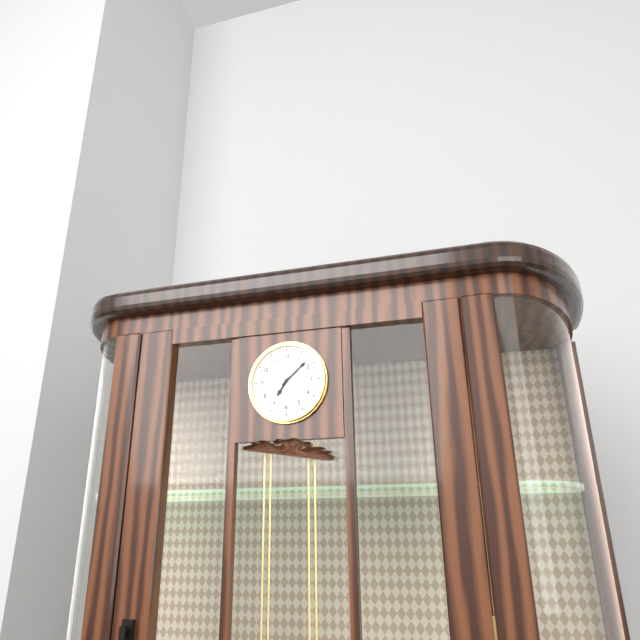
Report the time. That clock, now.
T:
7:08
